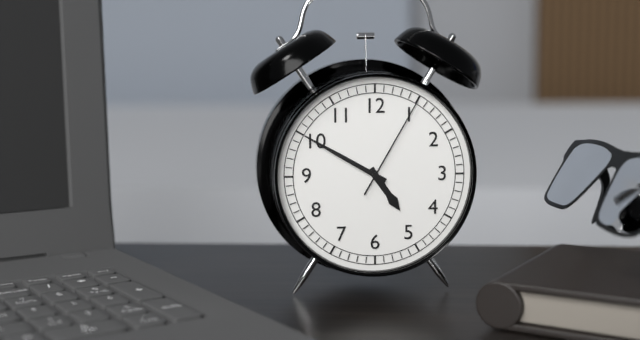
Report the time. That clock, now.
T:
4:50:05
